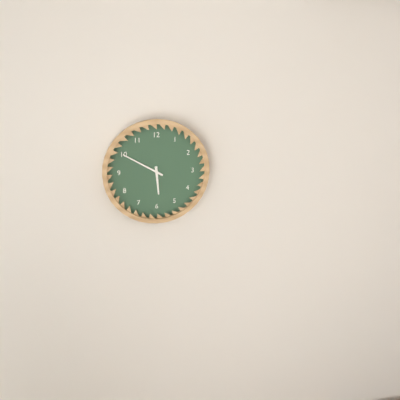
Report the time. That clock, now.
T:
5:50
